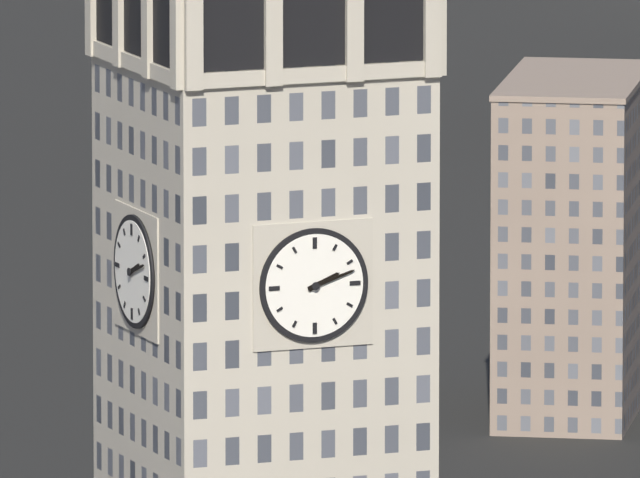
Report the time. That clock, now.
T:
2:12
